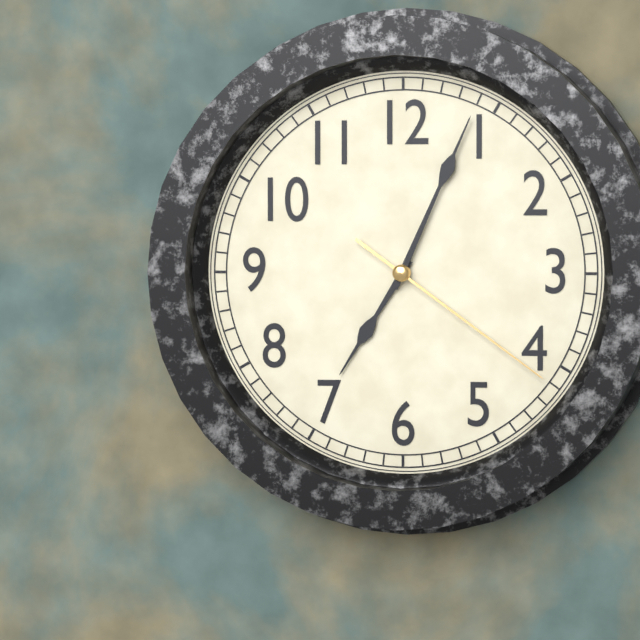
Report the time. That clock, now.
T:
7:04:21
